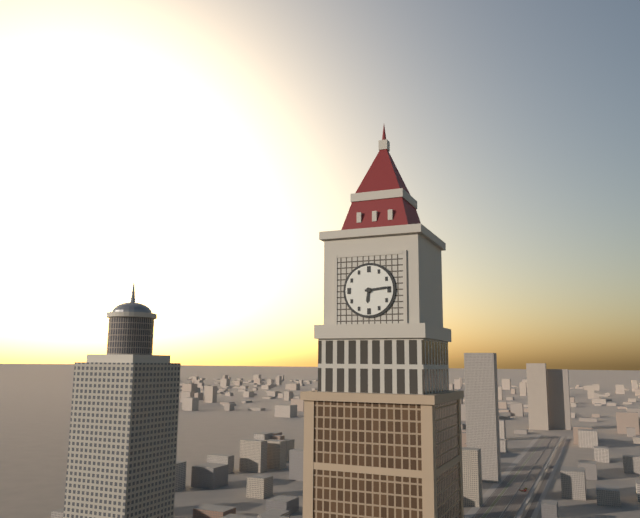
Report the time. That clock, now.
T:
6:14
